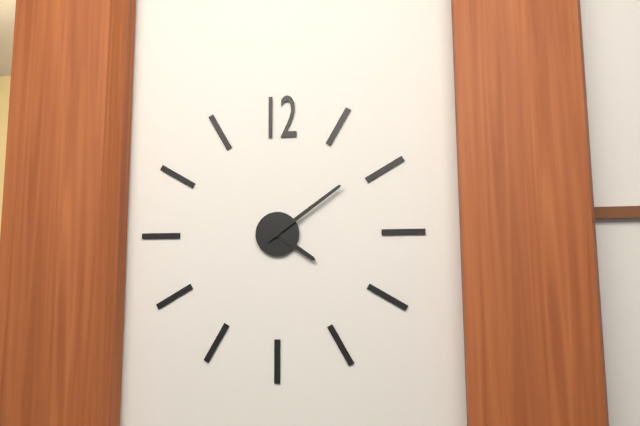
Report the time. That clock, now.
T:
4:09
